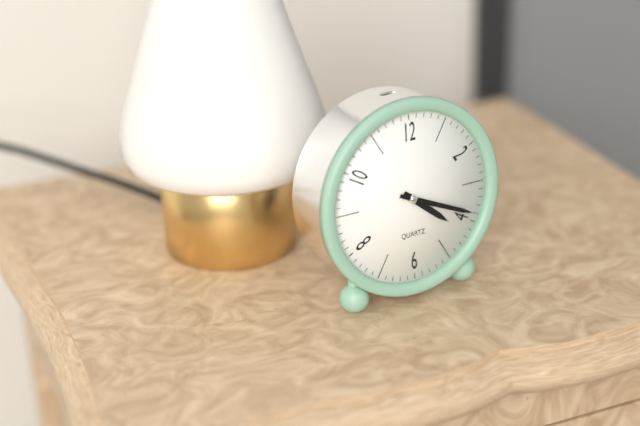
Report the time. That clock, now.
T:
4:19:19
